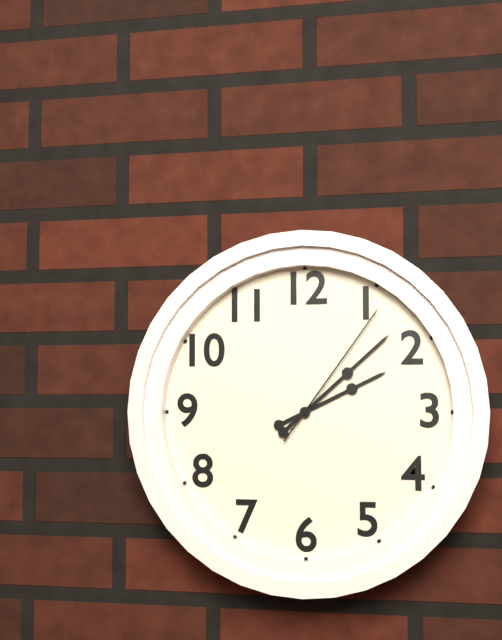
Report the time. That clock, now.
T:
2:08:06
